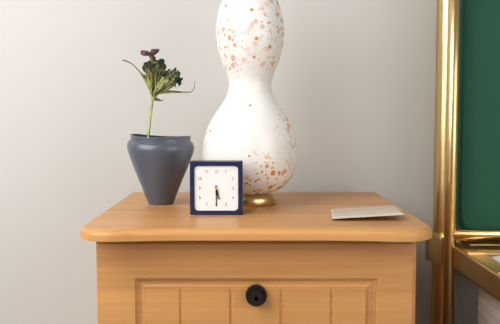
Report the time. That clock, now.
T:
5:30
